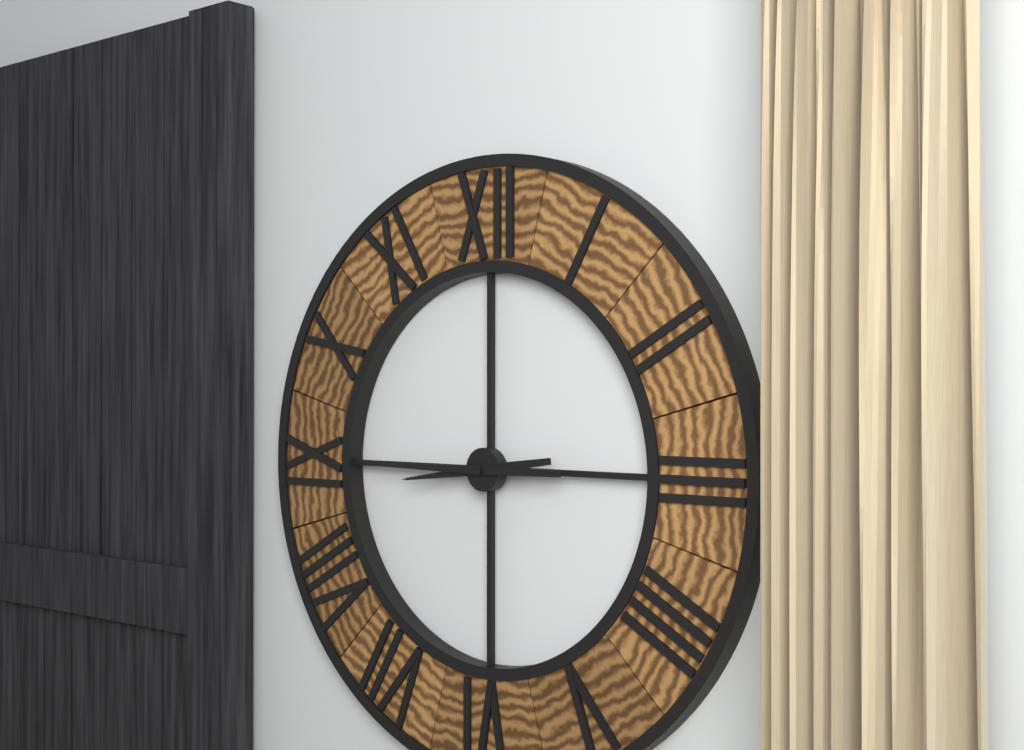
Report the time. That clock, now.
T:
8:45
